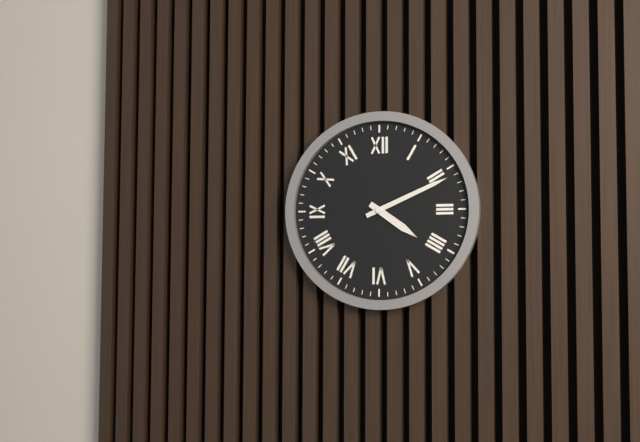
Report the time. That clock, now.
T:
4:11
